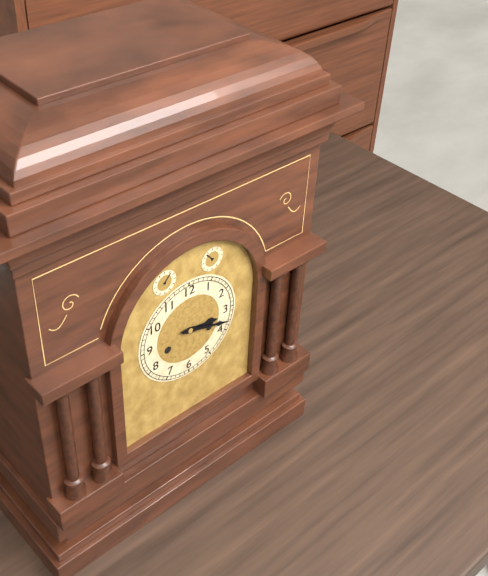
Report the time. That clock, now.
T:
3:18
